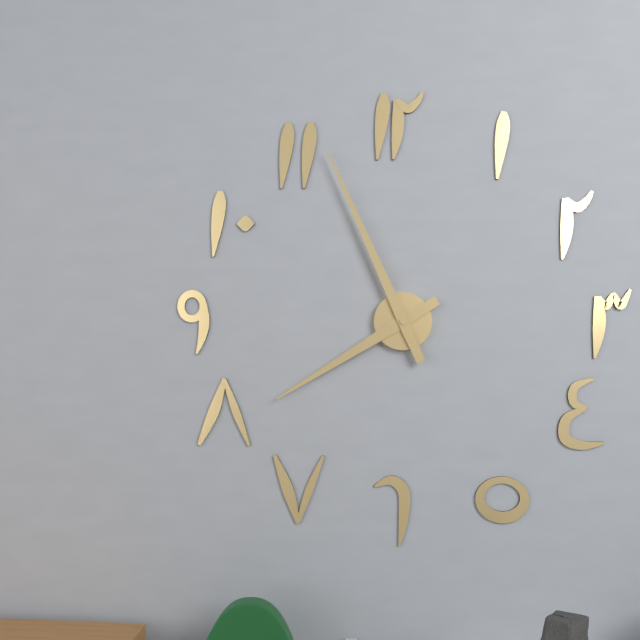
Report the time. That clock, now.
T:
7:56
